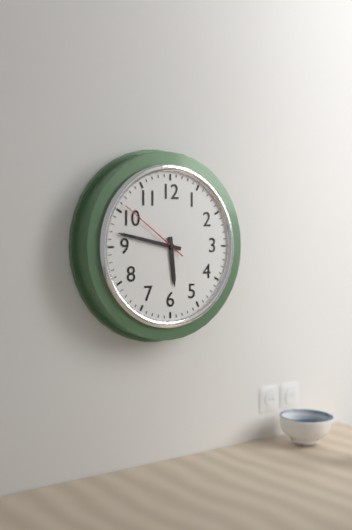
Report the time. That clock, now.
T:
5:47:51
